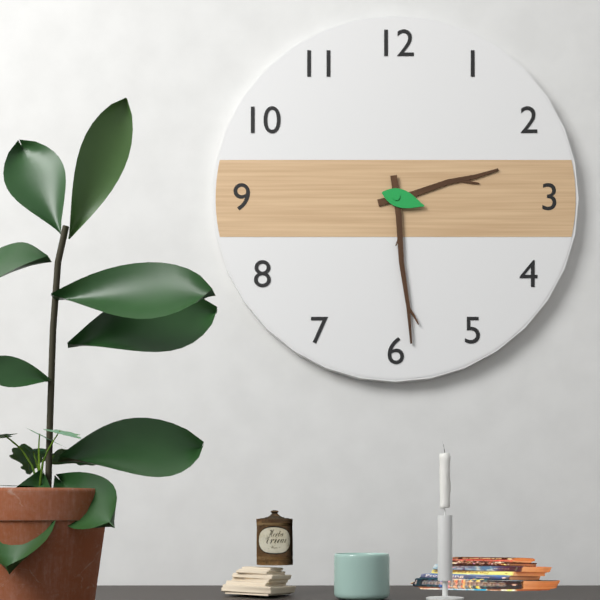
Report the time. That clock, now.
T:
2:29
